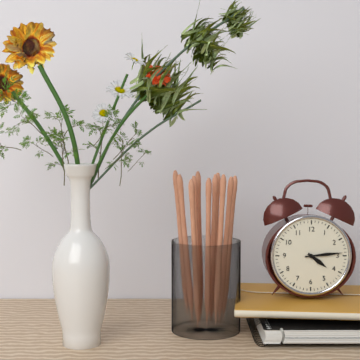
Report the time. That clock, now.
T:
4:14
